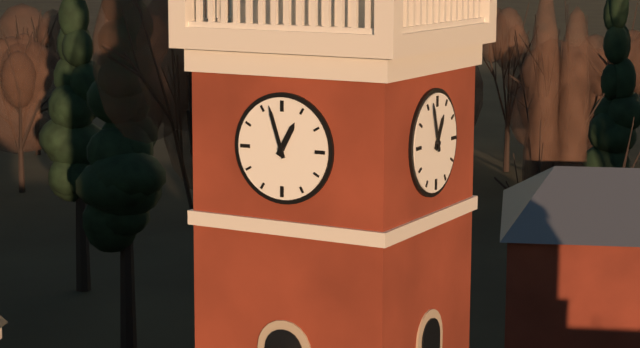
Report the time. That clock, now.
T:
12:57
